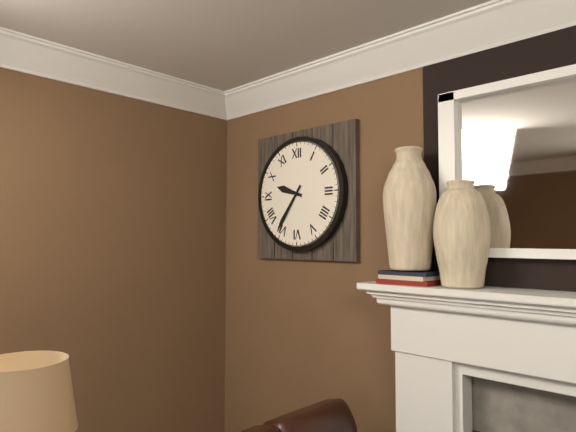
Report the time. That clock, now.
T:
9:36
